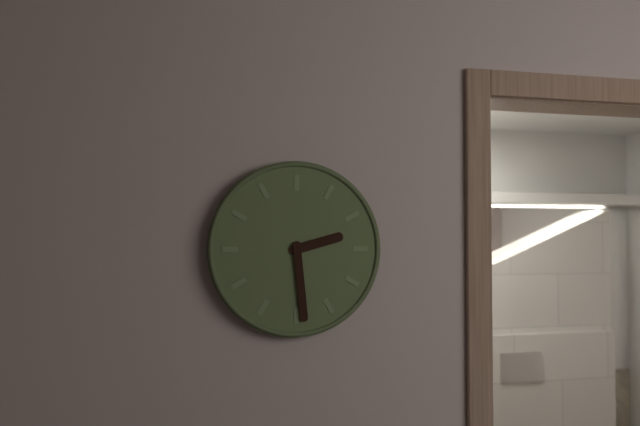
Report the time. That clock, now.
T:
2:29
